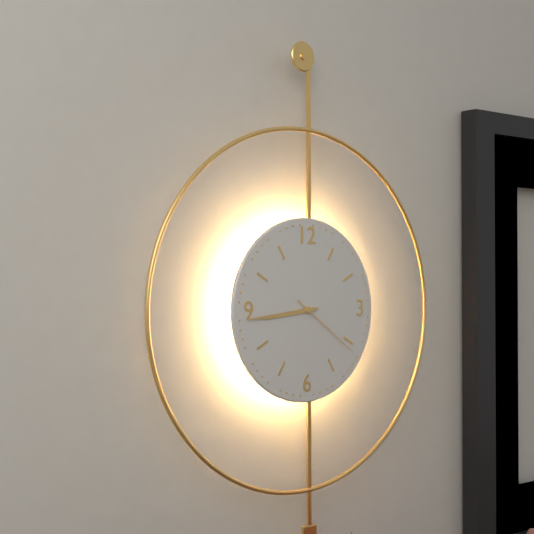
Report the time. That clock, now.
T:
8:44:21
